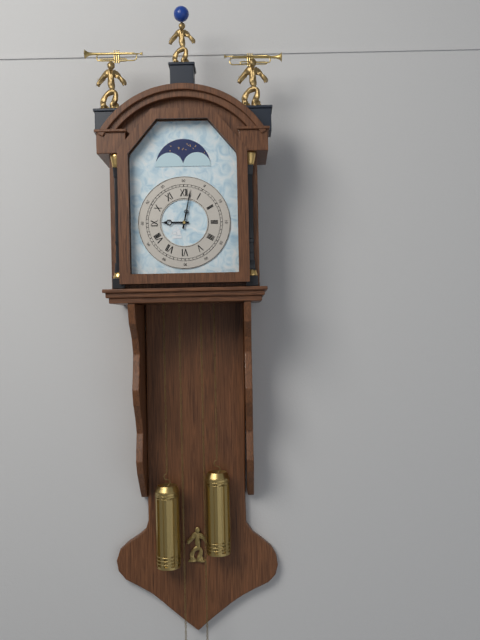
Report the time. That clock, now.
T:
9:02
